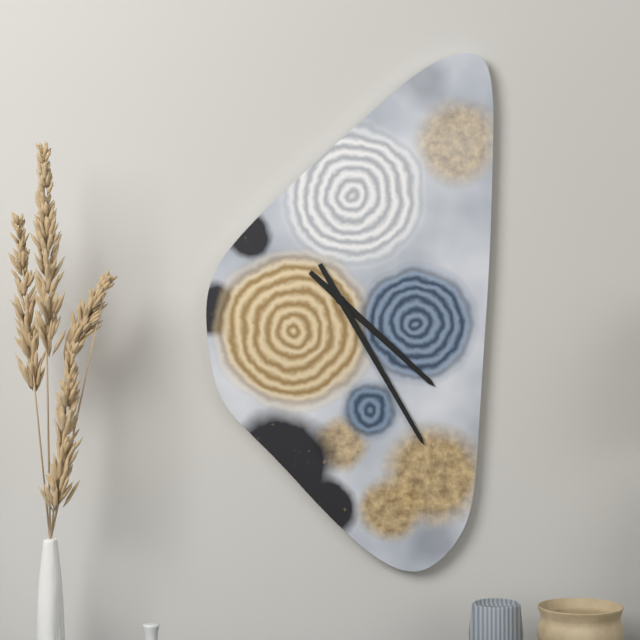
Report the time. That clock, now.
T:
4:25
